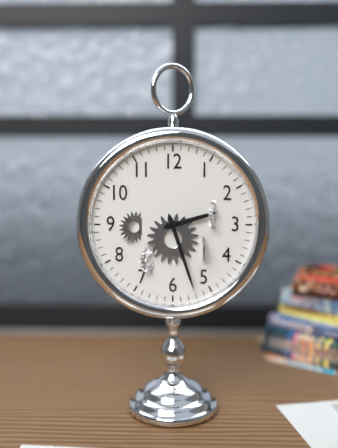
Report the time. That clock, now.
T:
2:27
